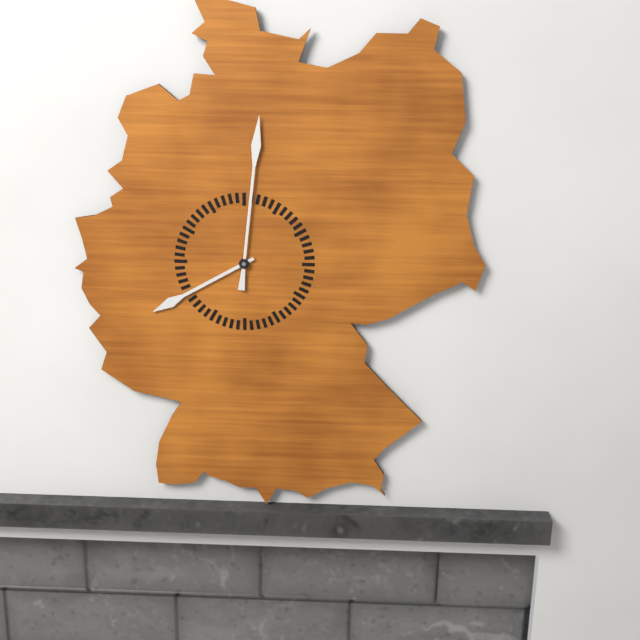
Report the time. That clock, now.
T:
8:01
